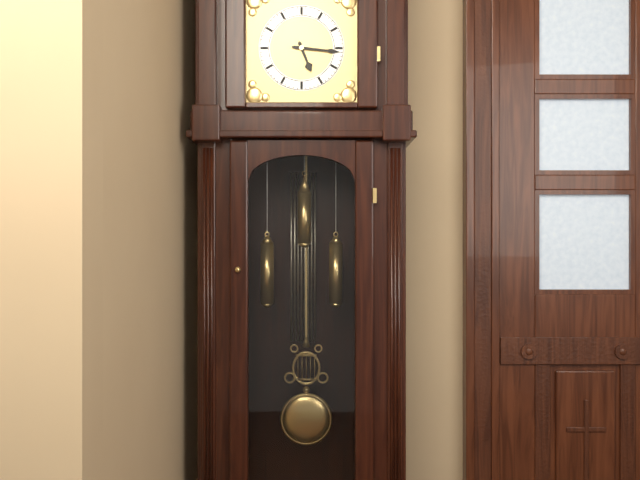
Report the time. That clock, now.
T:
5:16
